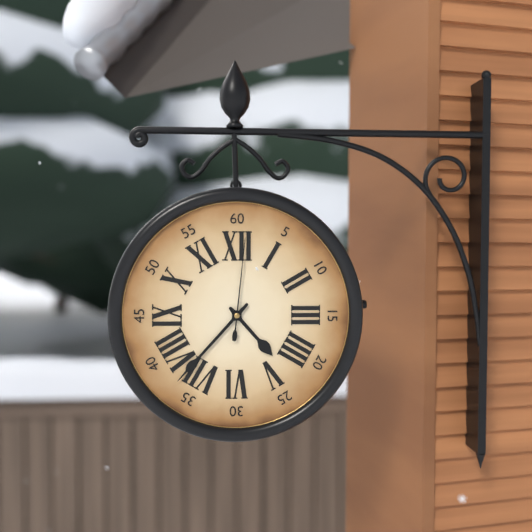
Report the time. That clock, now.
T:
4:37:01
